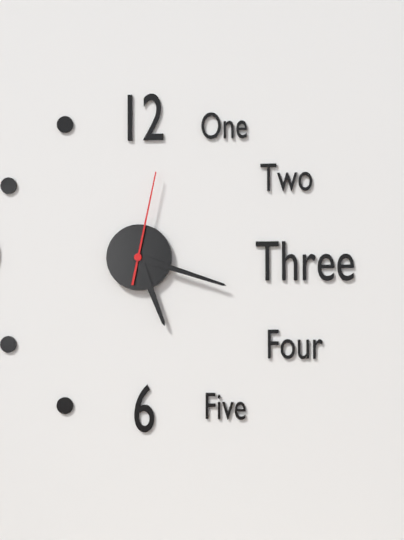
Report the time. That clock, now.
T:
5:18:02
